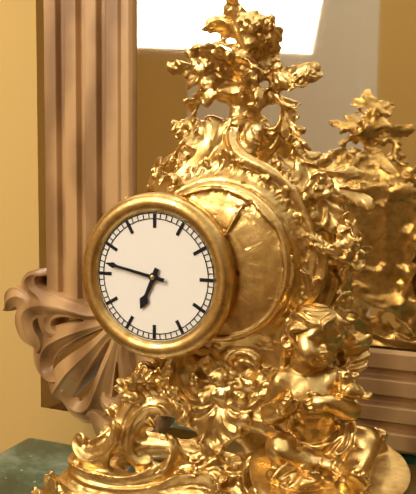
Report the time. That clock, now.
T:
6:47
